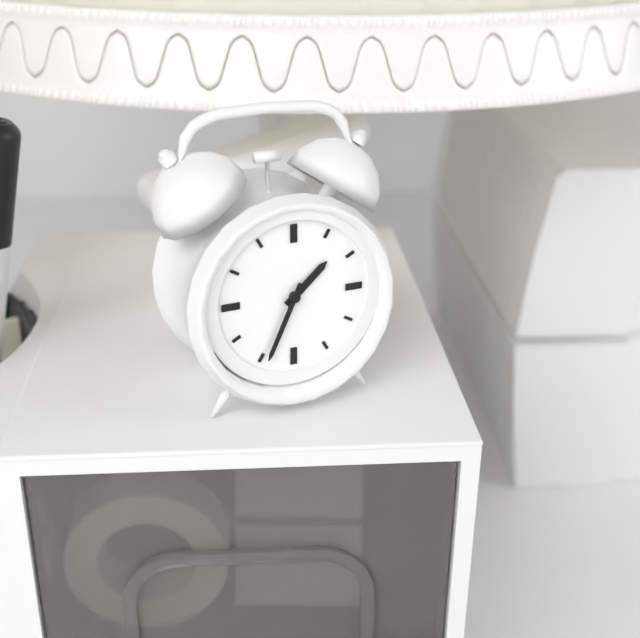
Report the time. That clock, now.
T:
1:34
